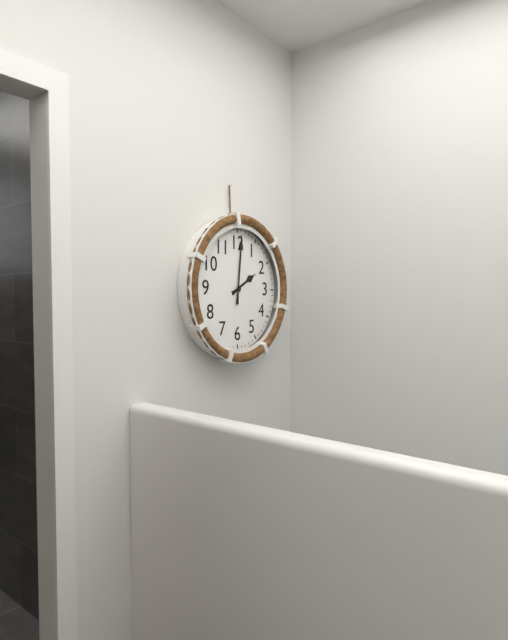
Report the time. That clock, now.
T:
2:01
